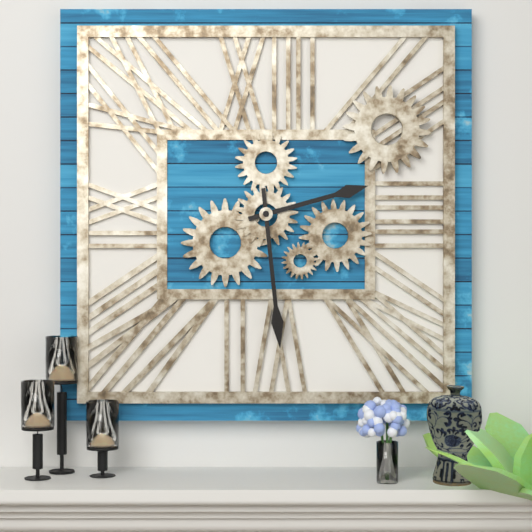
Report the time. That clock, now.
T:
2:29
